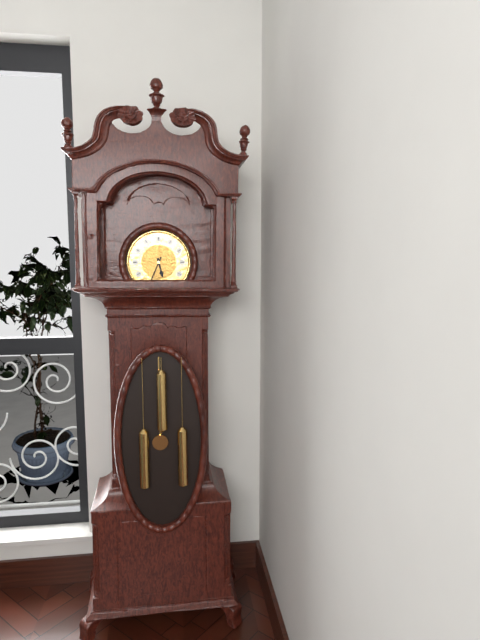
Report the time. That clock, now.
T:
5:34
